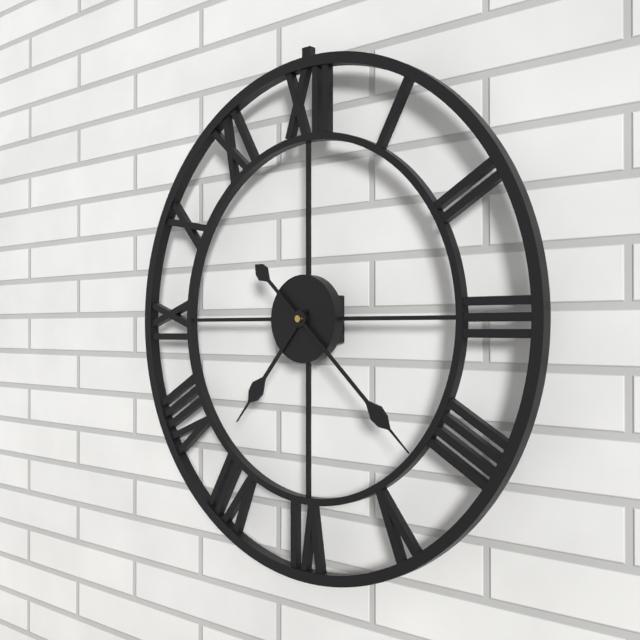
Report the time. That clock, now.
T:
7:22
